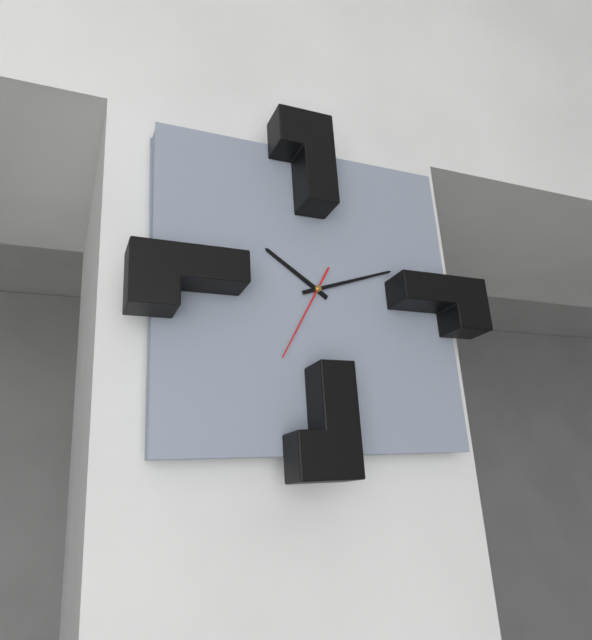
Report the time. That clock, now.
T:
10:12:35
